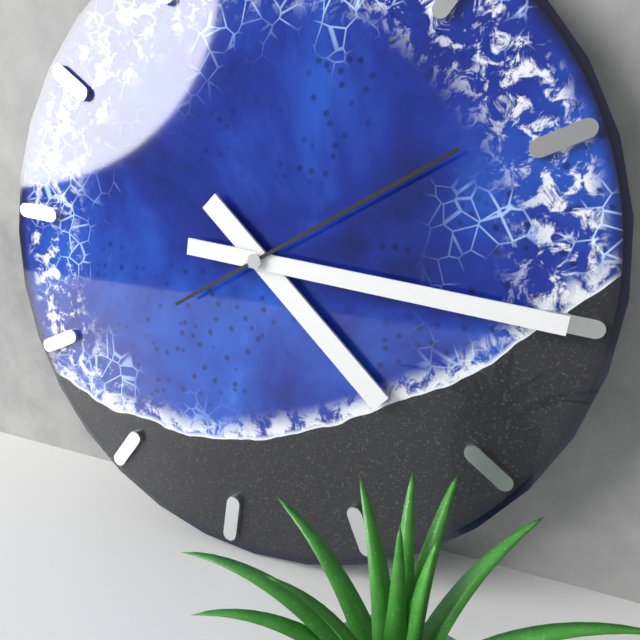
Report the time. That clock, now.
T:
4:15:09
